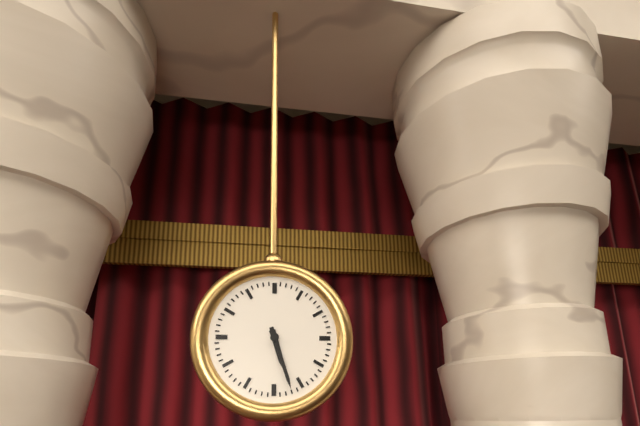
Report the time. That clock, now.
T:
5:27
